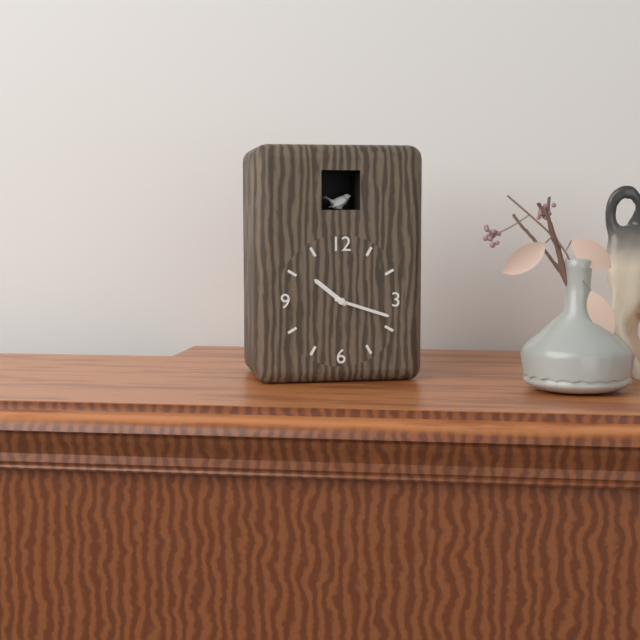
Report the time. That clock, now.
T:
10:18
